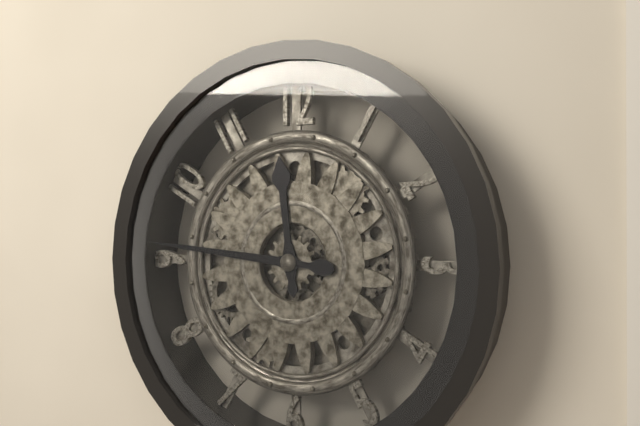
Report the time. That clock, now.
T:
11:46
